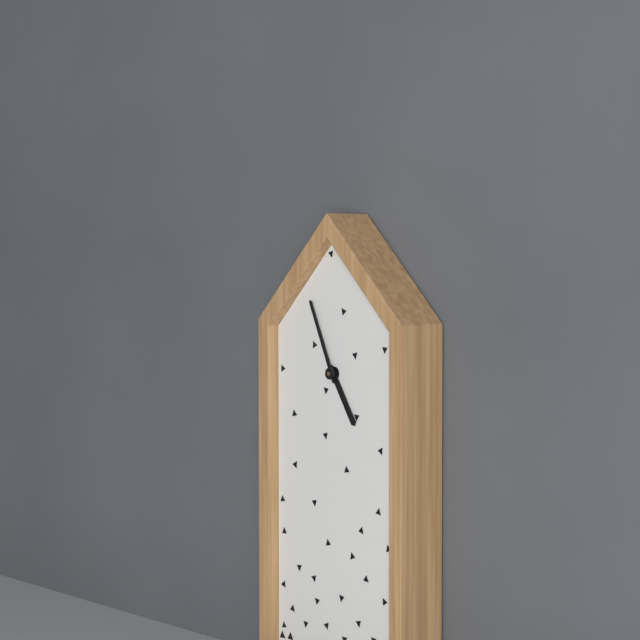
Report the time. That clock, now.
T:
4:56
